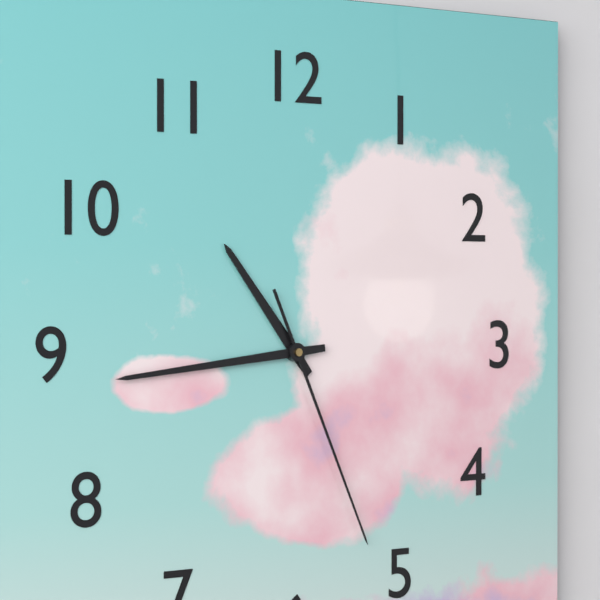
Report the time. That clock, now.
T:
10:44:26
